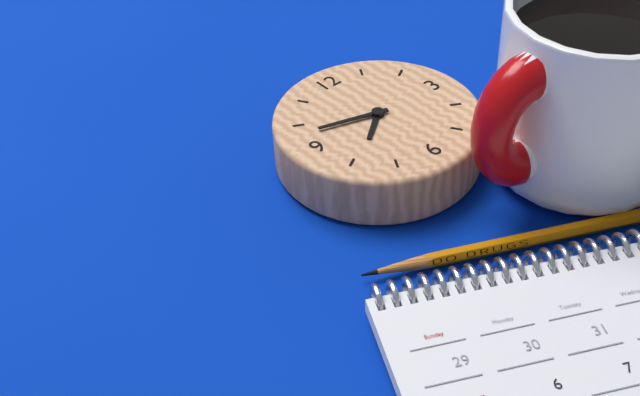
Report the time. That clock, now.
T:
7:48
